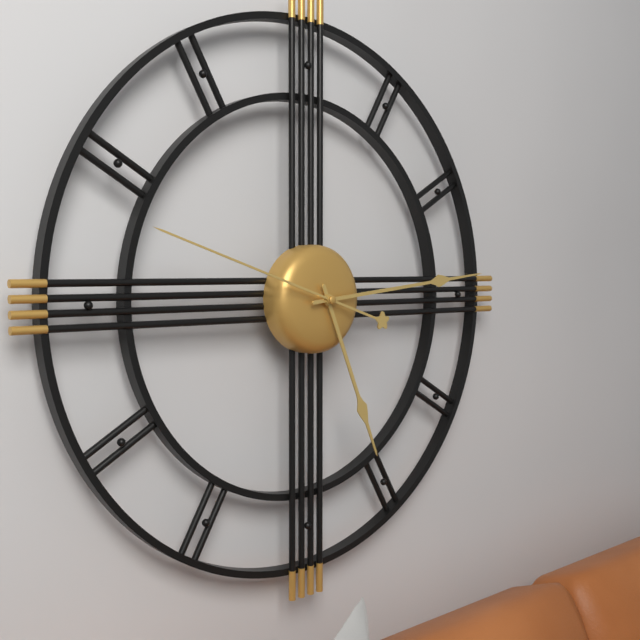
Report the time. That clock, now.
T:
5:14:48
